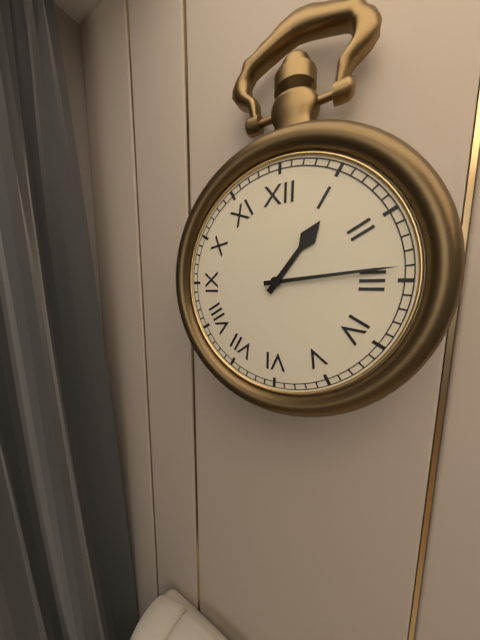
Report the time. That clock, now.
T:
1:14
